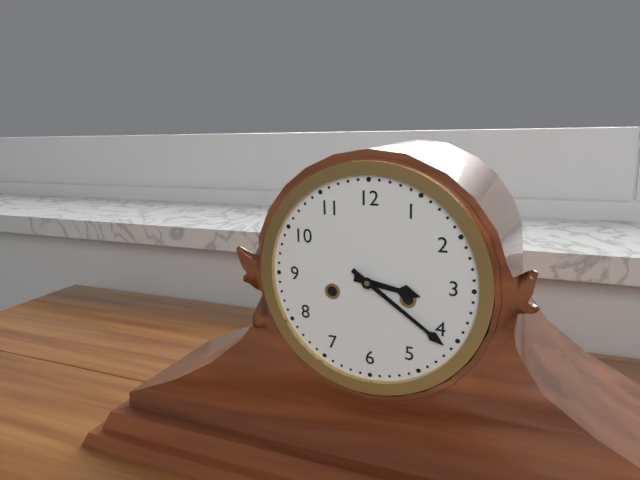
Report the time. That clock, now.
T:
3:21
